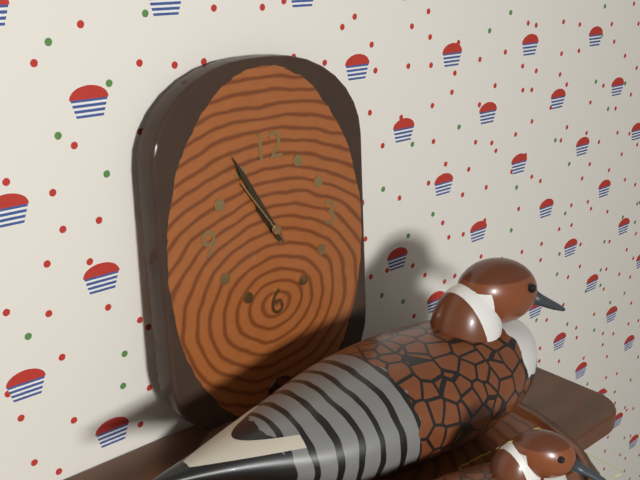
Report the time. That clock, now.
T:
10:55:54
